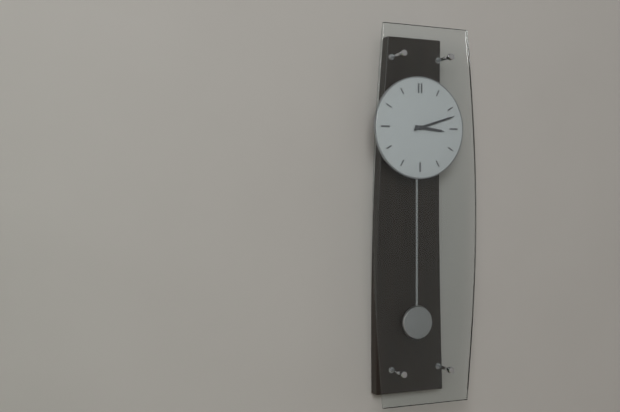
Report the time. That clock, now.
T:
3:12
